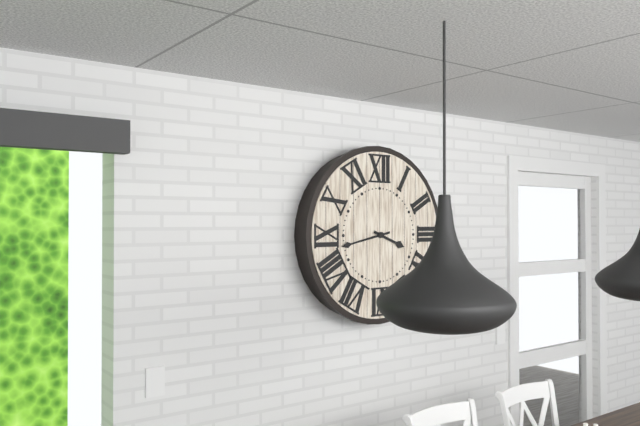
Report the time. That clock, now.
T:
3:43
